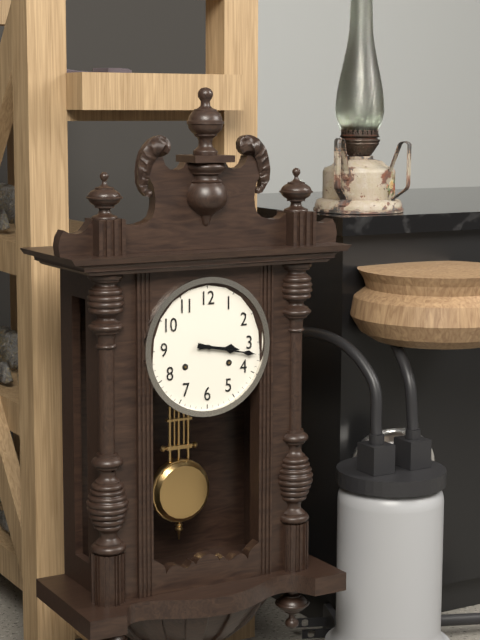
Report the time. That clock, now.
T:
3:17
